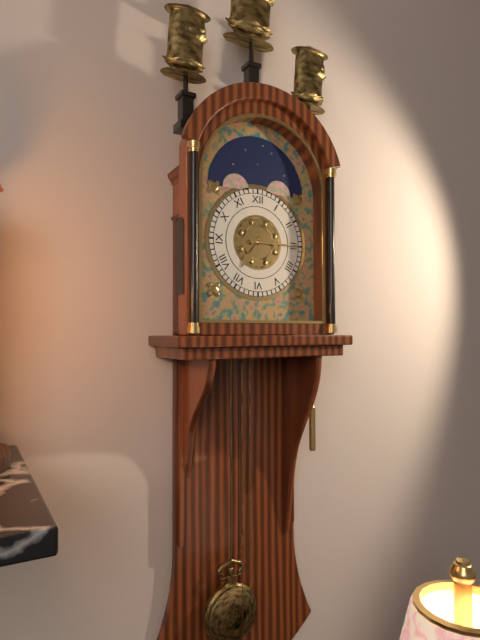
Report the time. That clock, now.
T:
7:15
